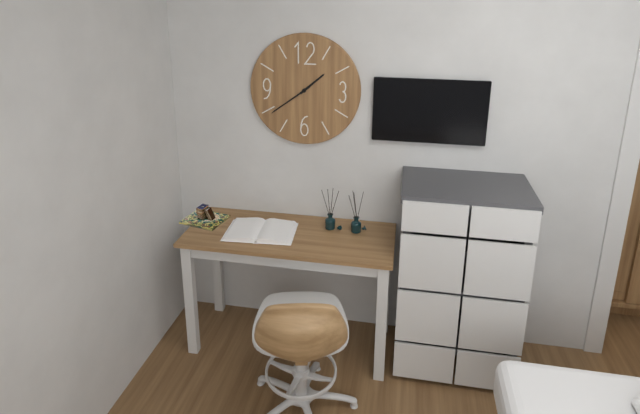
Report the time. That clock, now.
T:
1:39
